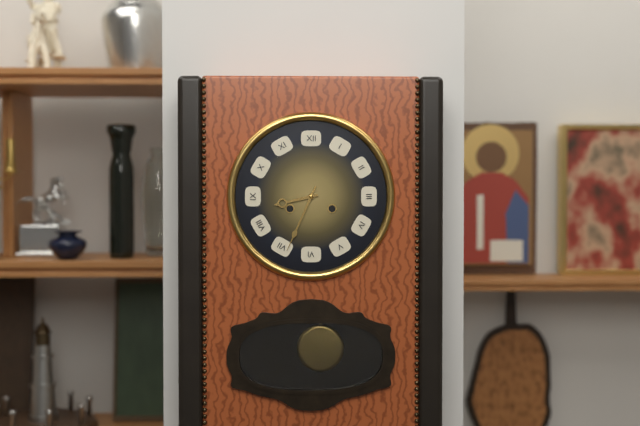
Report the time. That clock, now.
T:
8:34
